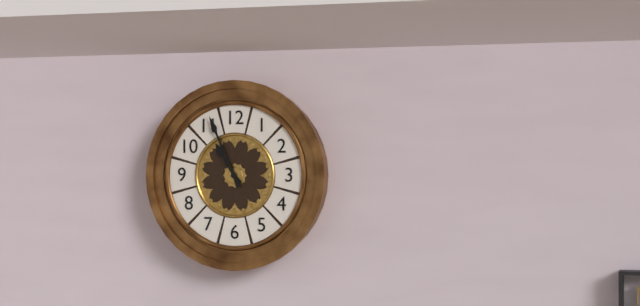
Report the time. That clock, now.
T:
10:56
